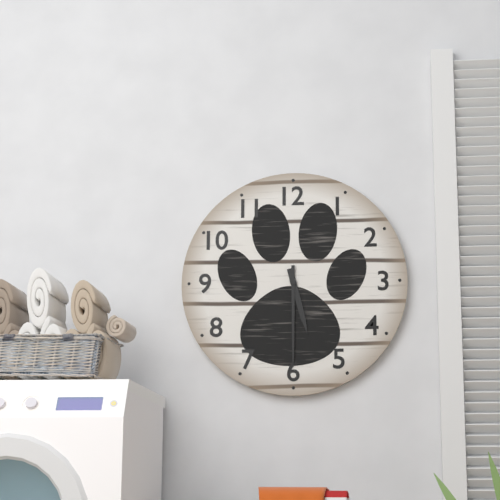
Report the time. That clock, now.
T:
5:30
